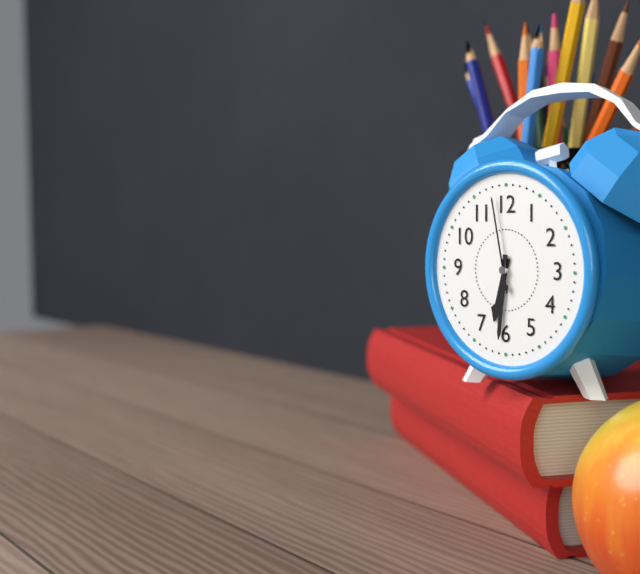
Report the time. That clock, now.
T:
6:31:58
